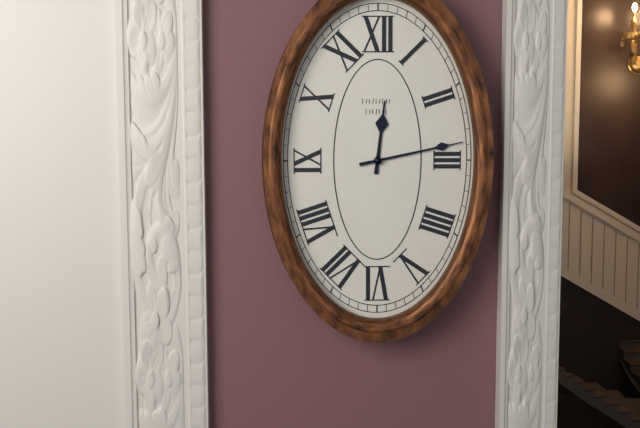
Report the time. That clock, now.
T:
12:13
